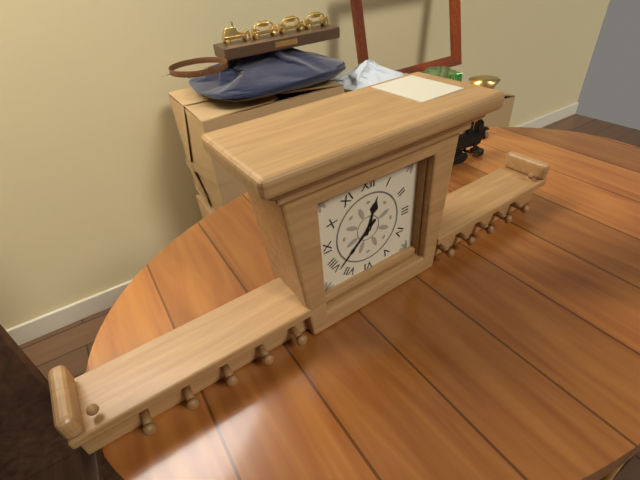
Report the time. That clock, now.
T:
12:38
